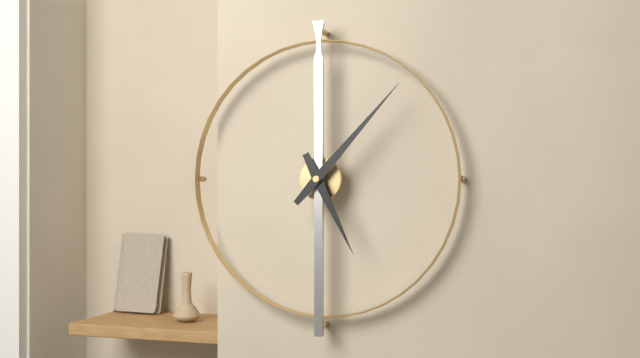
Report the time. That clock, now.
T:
5:07
